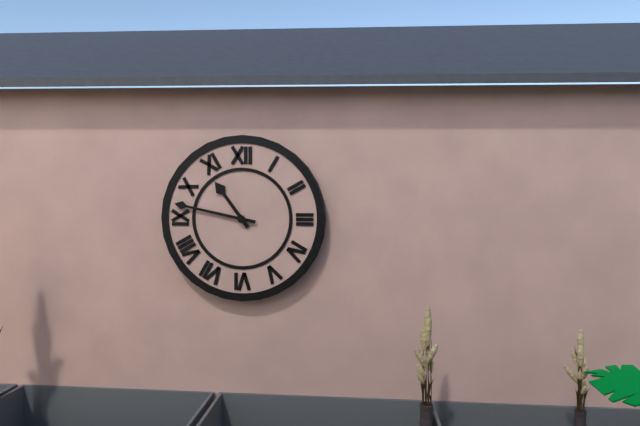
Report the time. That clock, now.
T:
10:47
